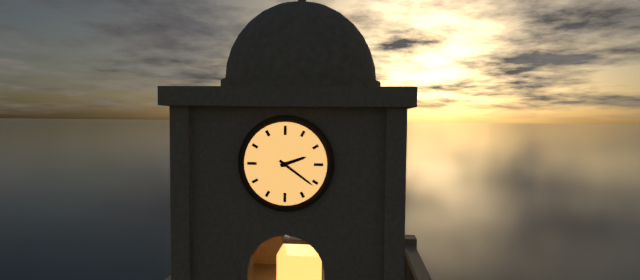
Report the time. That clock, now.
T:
2:21
